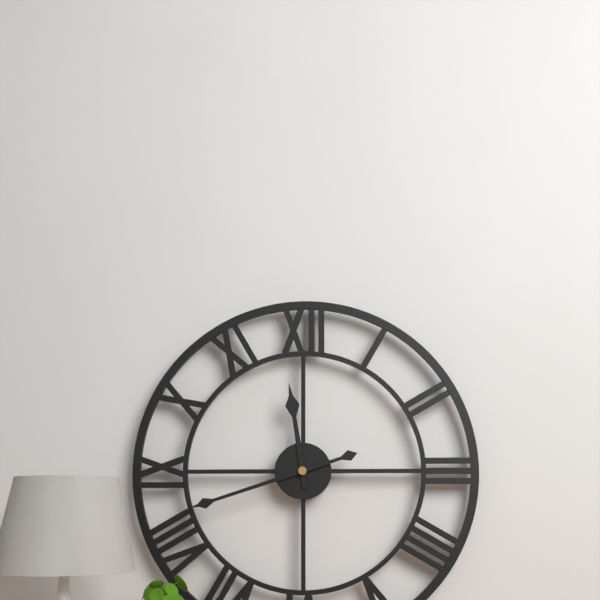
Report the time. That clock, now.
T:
11:42
